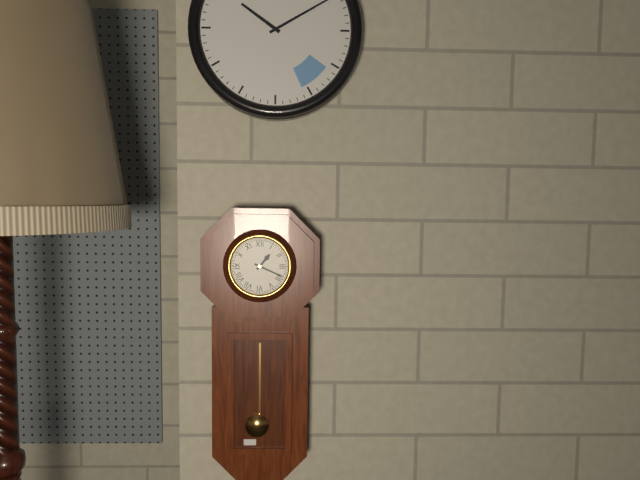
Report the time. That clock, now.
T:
1:19
